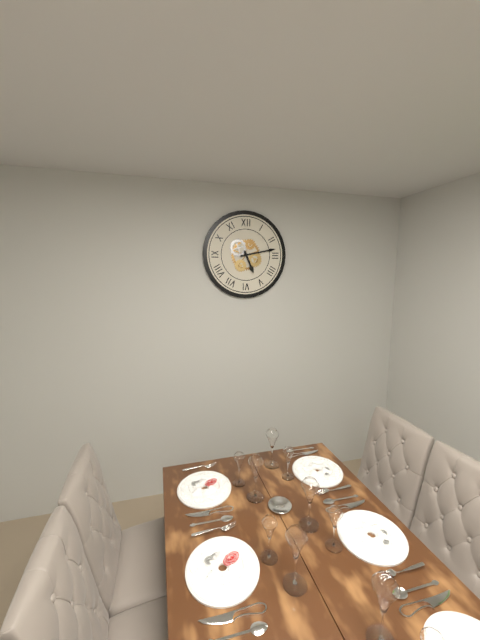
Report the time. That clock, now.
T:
5:13
